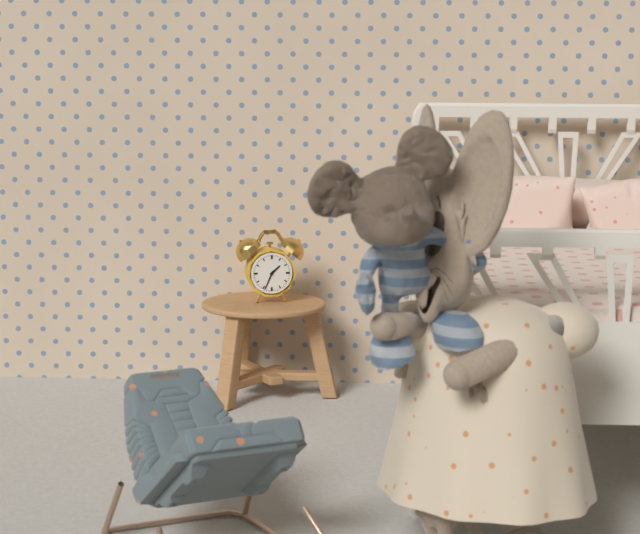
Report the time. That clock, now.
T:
1:34
